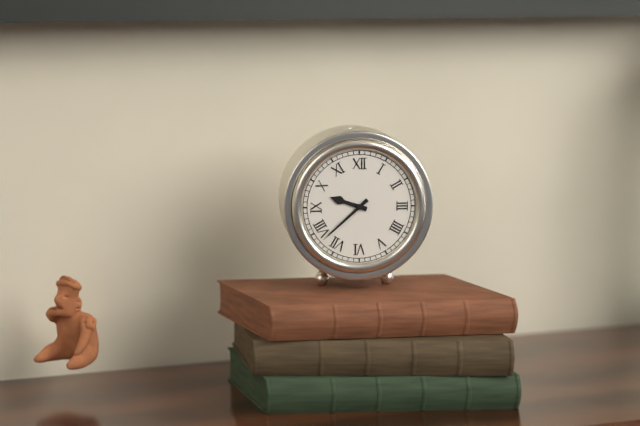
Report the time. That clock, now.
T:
9:38
